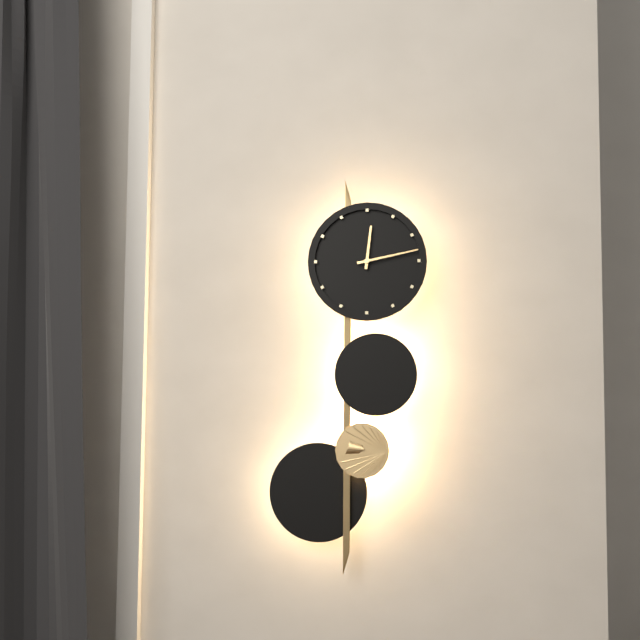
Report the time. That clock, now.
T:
12:13
